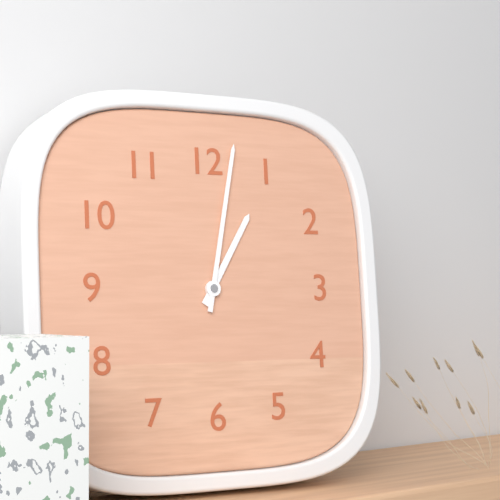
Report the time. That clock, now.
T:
1:02
